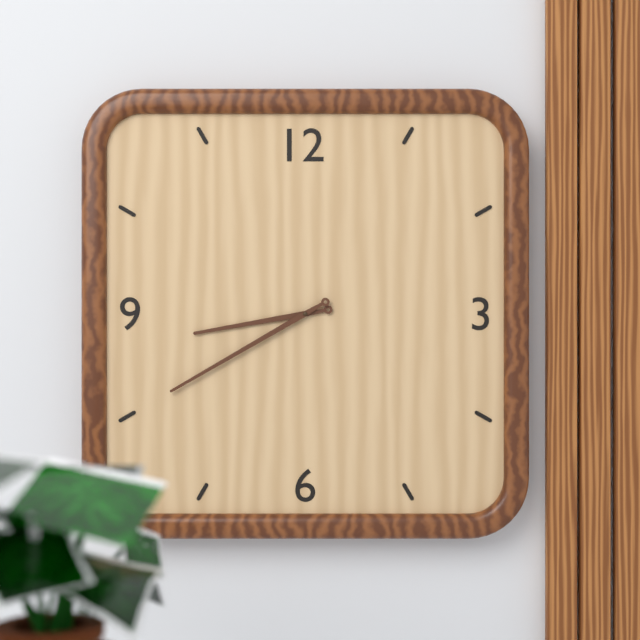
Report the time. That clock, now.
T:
8:40
